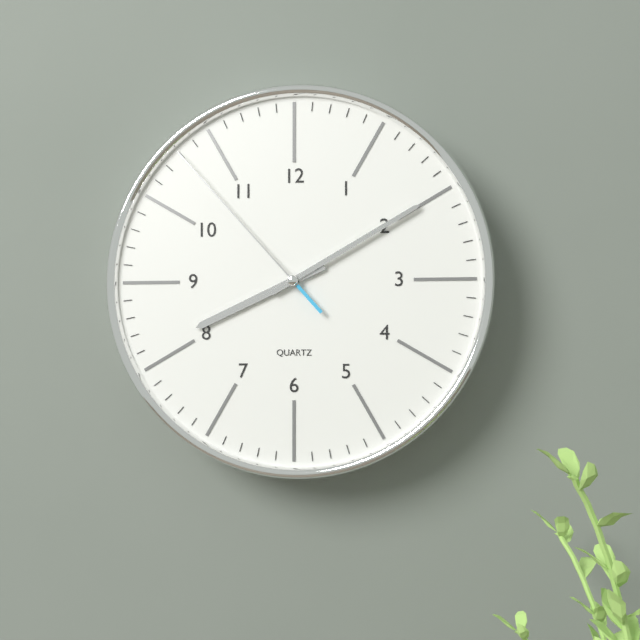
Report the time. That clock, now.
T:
8:10:53
